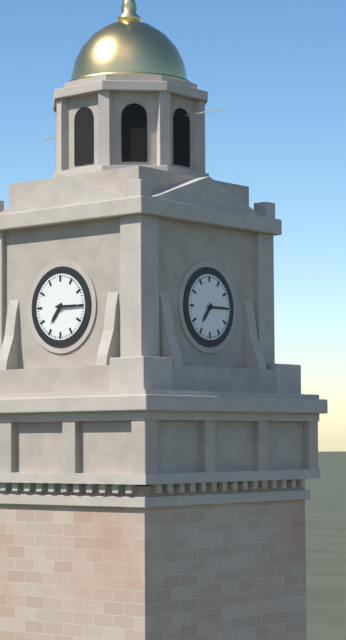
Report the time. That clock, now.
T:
7:15
